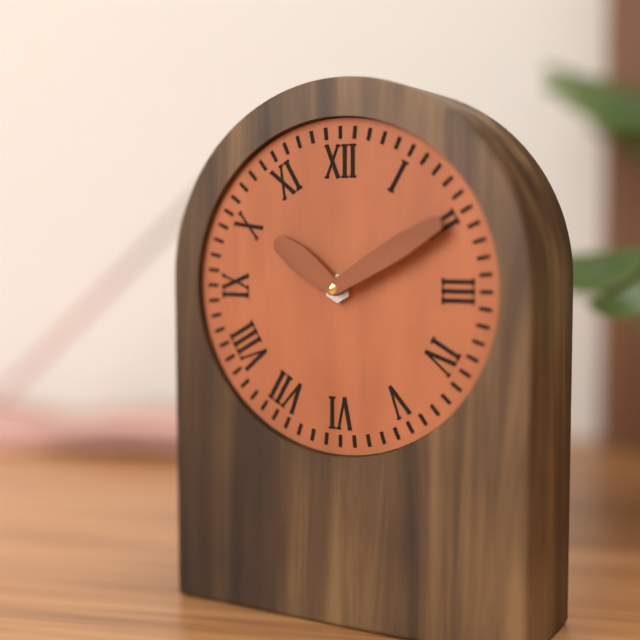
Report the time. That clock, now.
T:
10:10
